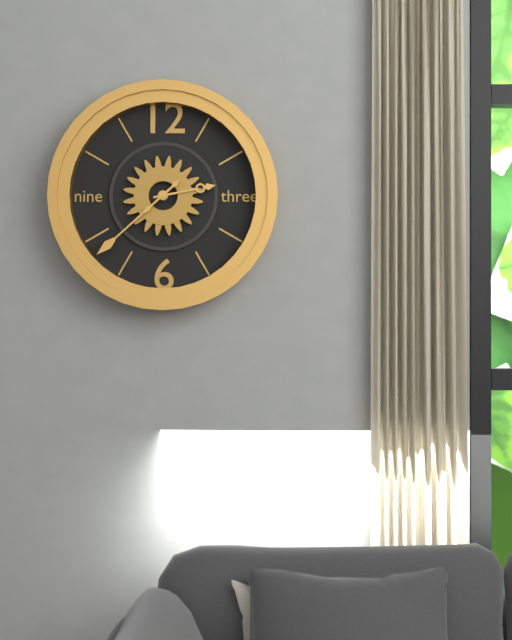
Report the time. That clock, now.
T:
2:38
